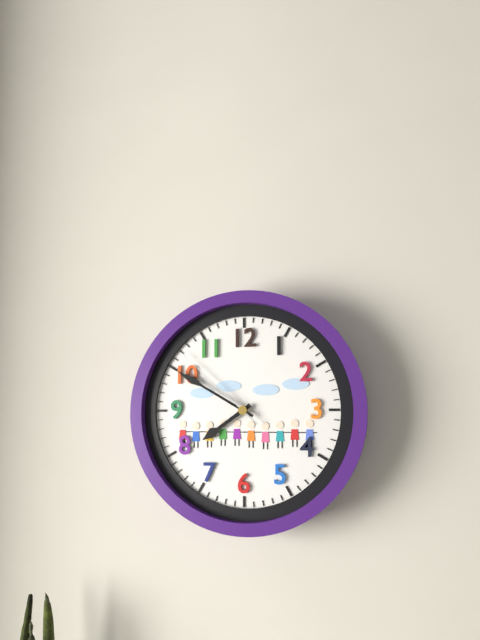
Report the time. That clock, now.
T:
7:50:52
